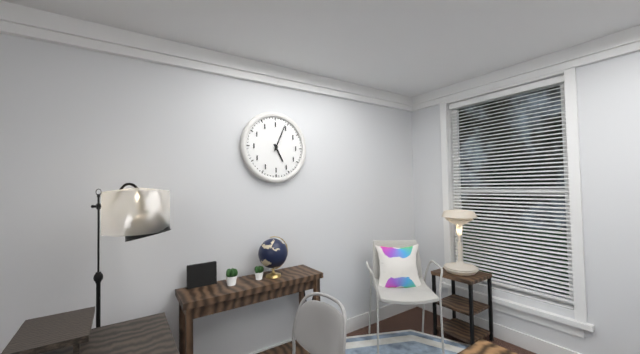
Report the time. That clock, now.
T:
5:04
